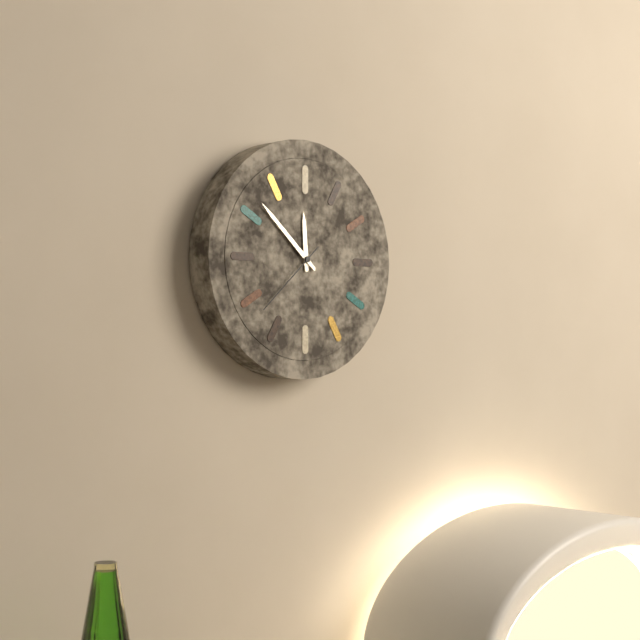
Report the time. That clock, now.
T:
11:52:38
